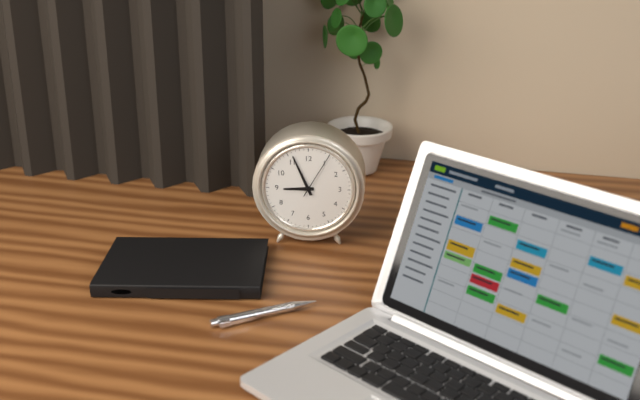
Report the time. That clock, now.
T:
8:56
